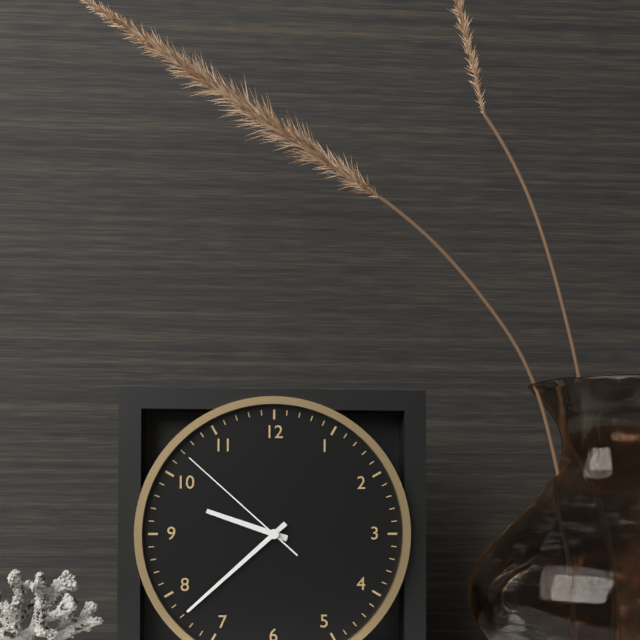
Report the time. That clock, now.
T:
9:38:52
